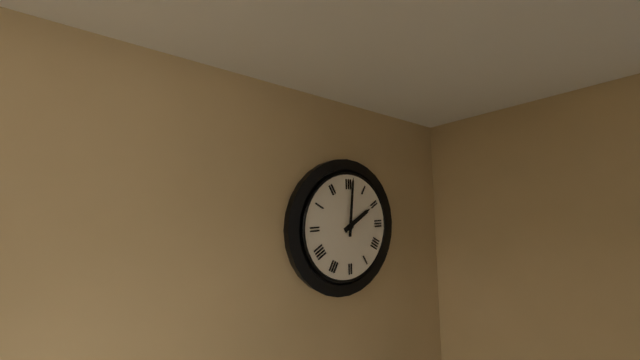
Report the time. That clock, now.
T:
2:01
